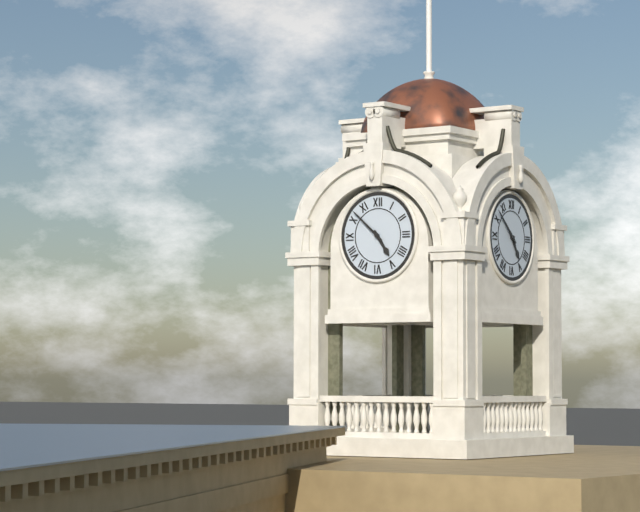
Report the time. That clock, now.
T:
4:52
